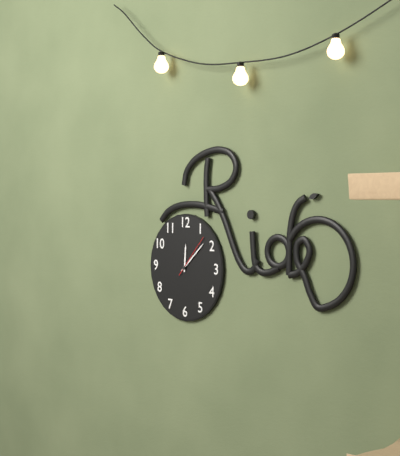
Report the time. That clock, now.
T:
12:08
